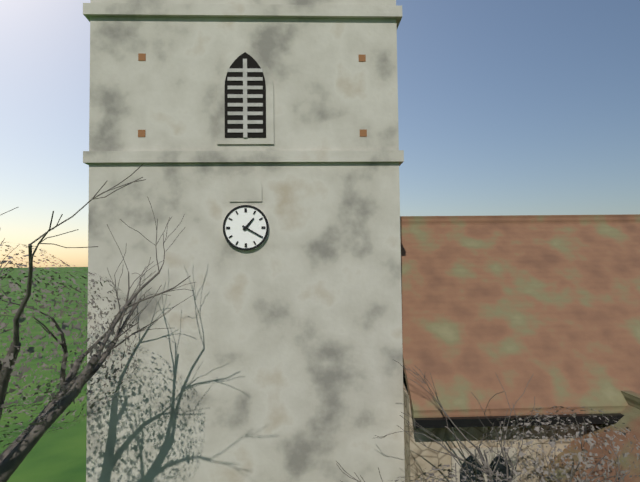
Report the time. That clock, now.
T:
1:20
